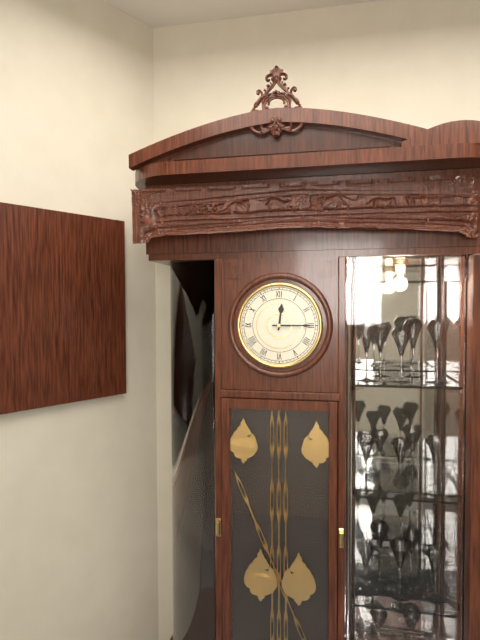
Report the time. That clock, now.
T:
12:15
